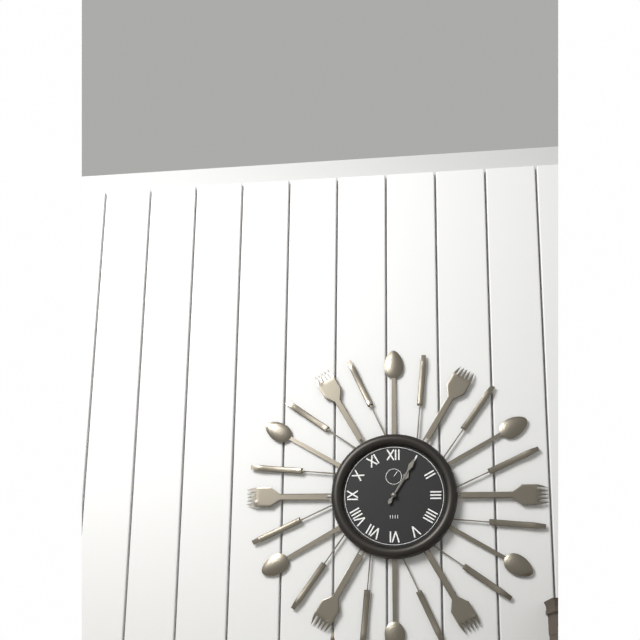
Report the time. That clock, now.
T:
1:05
